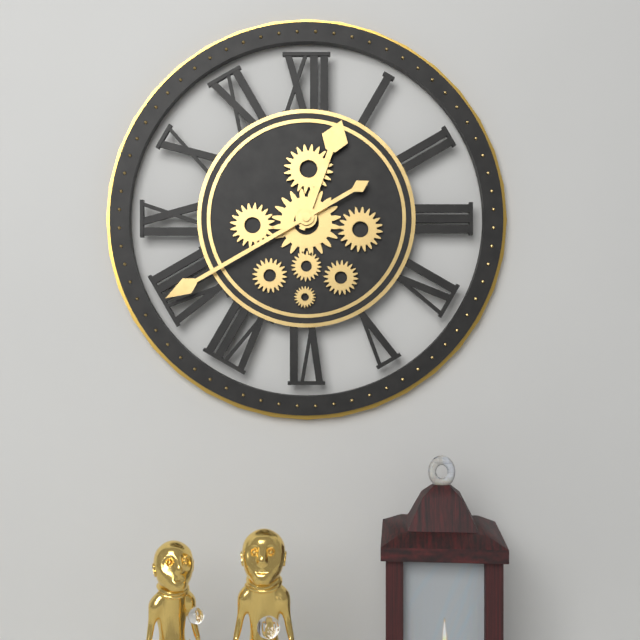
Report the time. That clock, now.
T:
12:40
